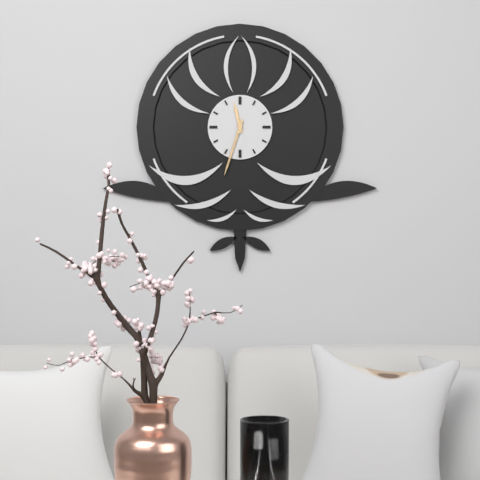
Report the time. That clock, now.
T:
11:33
